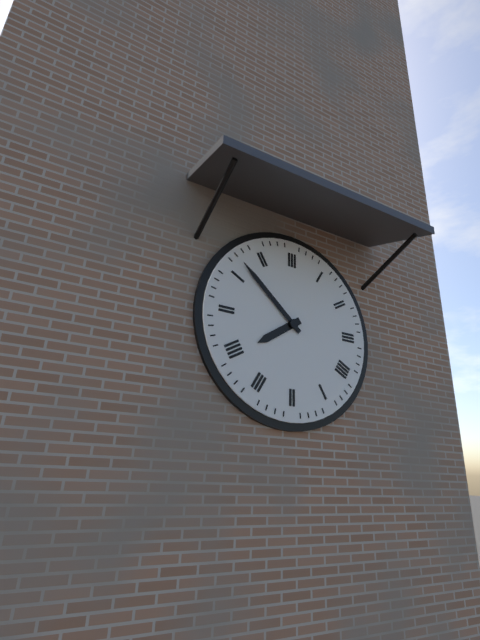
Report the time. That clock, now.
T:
7:52
